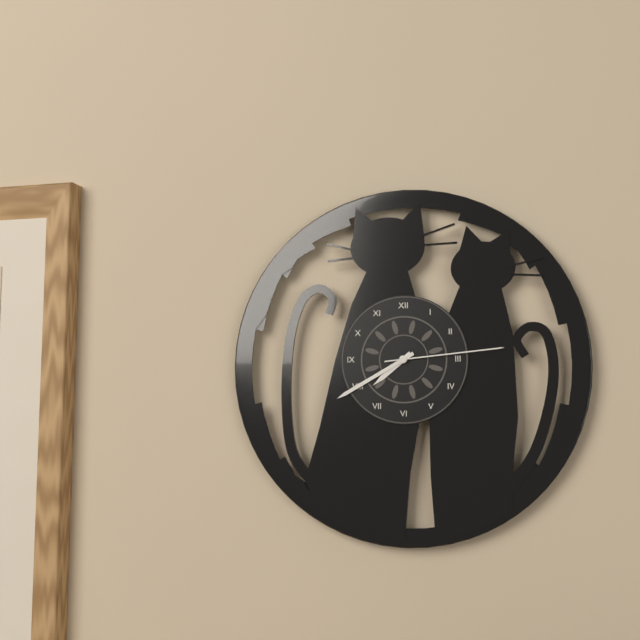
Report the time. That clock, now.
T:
7:40:14
